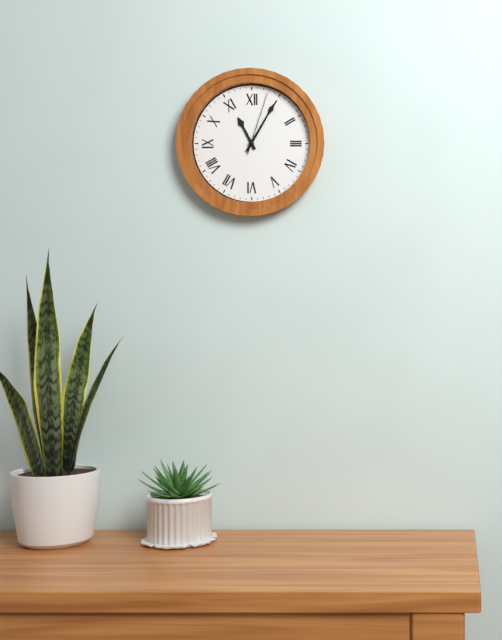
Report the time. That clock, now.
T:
11:05:03
